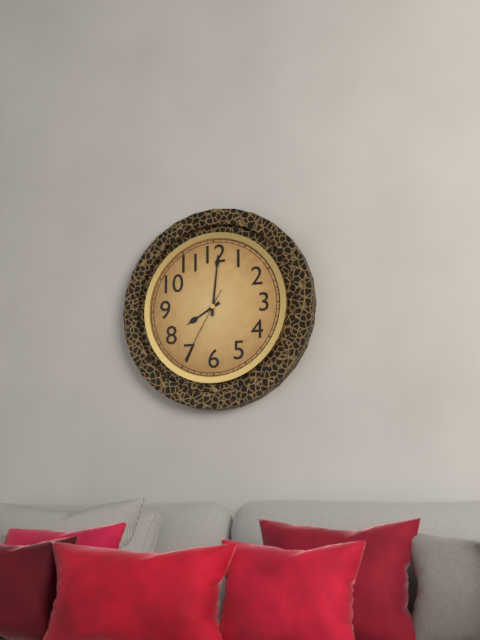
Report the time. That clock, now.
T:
8:01:35
